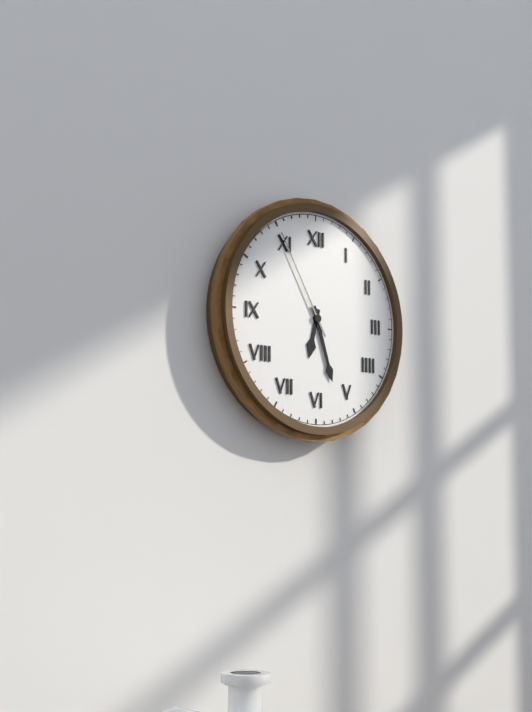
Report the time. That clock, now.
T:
6:27:55
